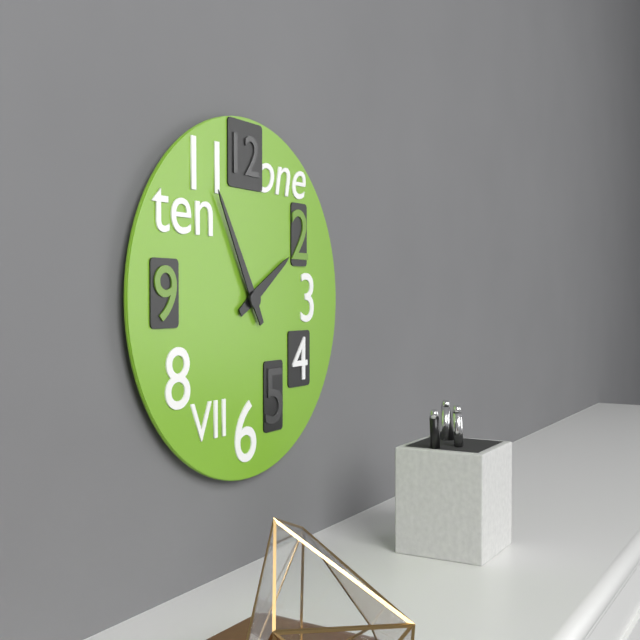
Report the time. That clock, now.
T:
1:55
